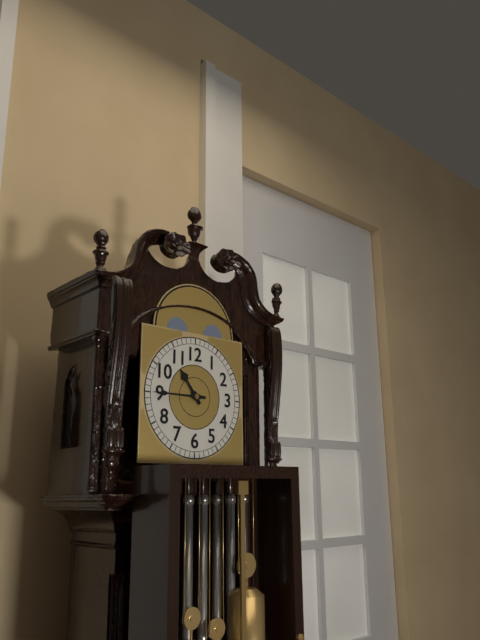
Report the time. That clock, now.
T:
10:45
